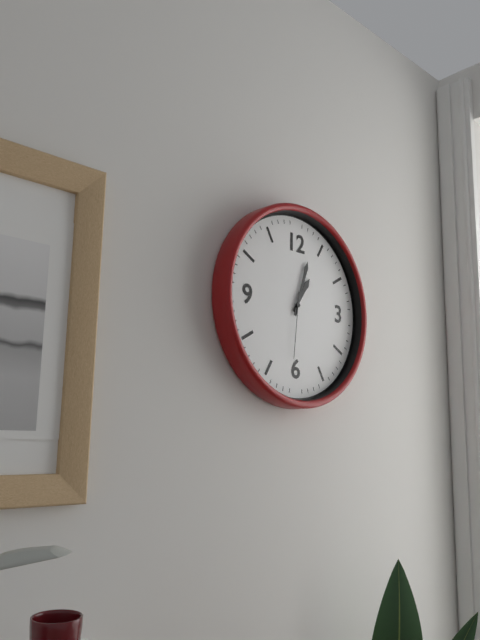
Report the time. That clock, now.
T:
1:03:31
